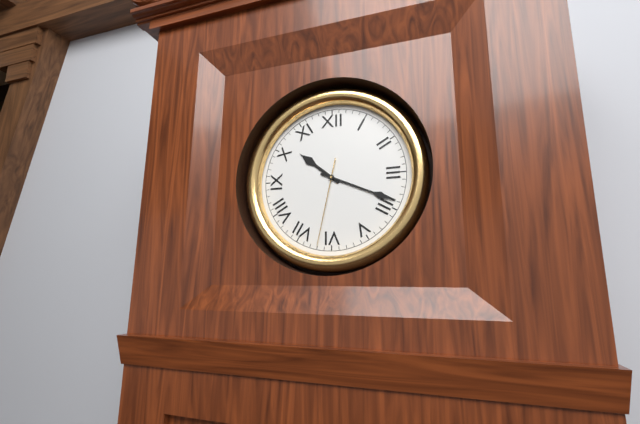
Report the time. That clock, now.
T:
10:19:32
